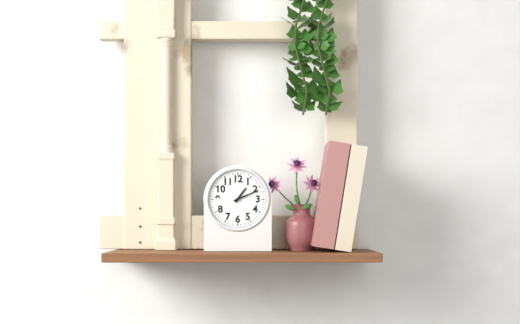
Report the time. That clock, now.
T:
1:11
